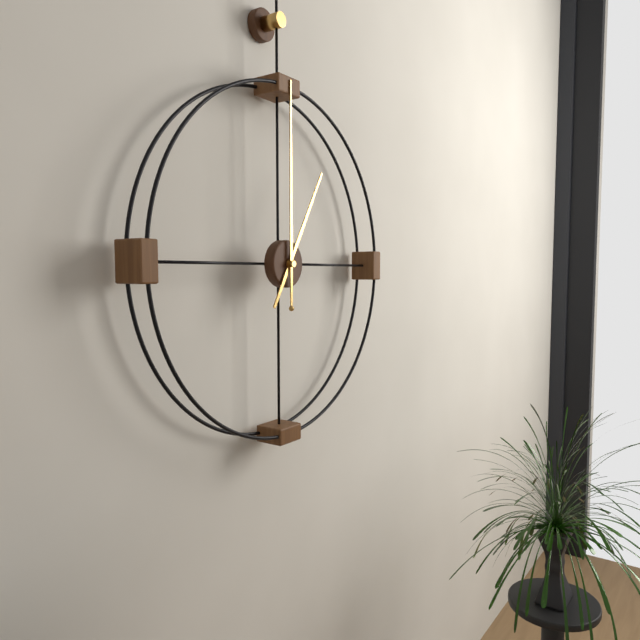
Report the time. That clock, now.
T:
1:00
